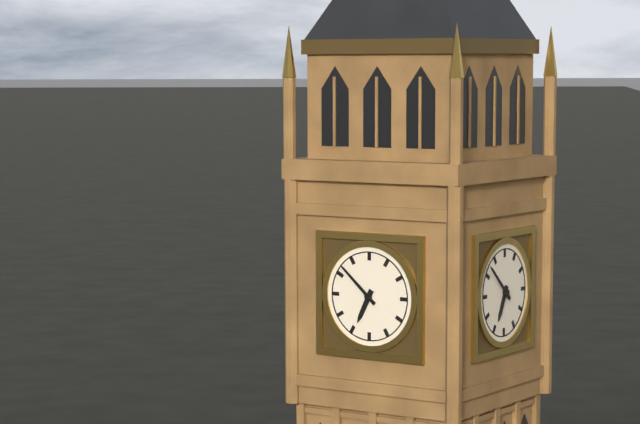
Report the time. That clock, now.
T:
6:52
